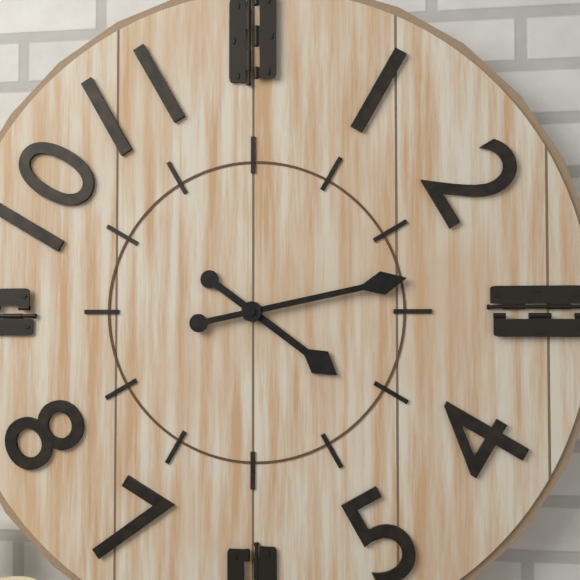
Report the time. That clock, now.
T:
4:13
